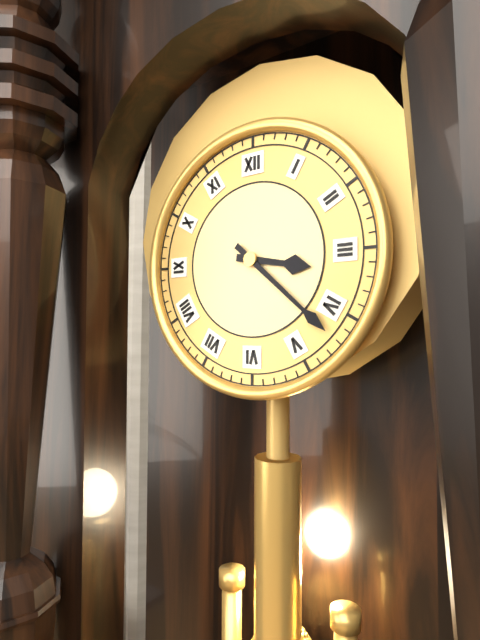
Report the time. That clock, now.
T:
3:22
